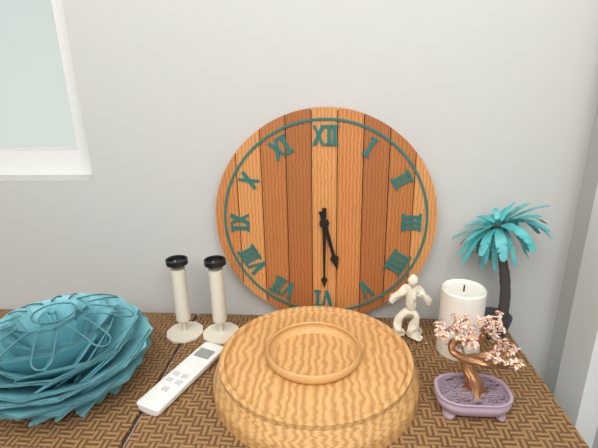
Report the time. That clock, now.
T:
5:30
